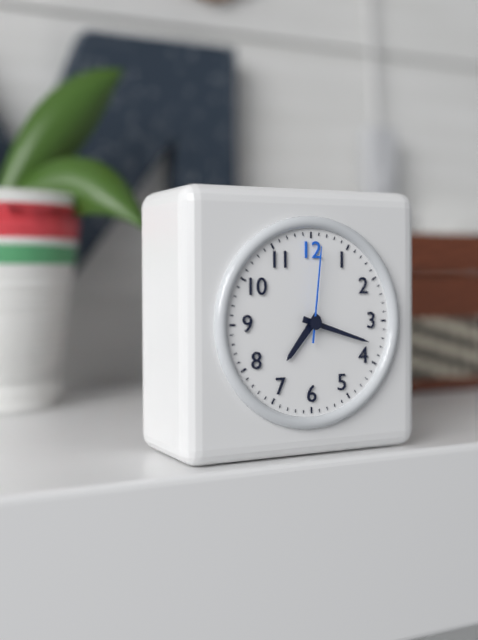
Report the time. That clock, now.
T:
7:18:01
